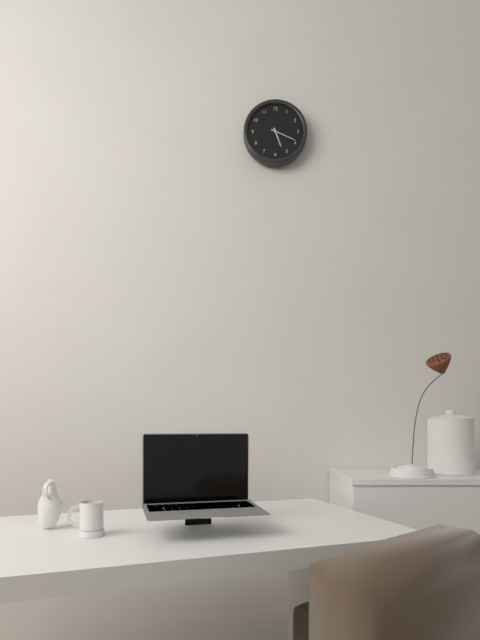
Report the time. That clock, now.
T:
5:19
